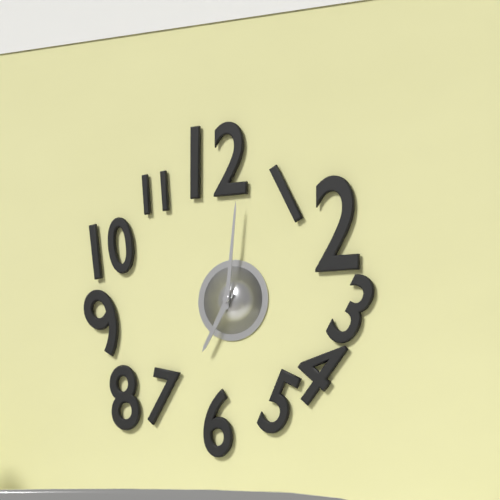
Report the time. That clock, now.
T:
7:01
